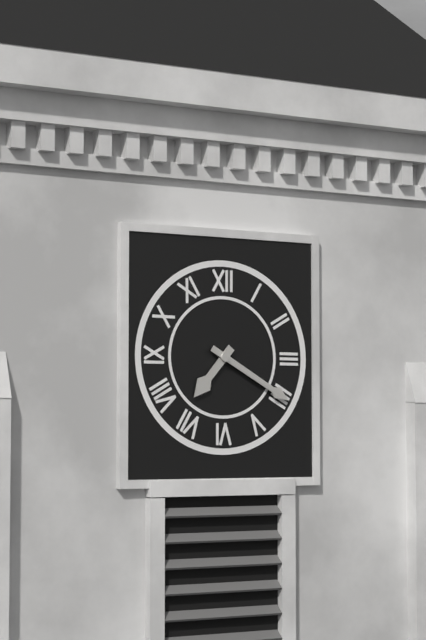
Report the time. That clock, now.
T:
7:20
